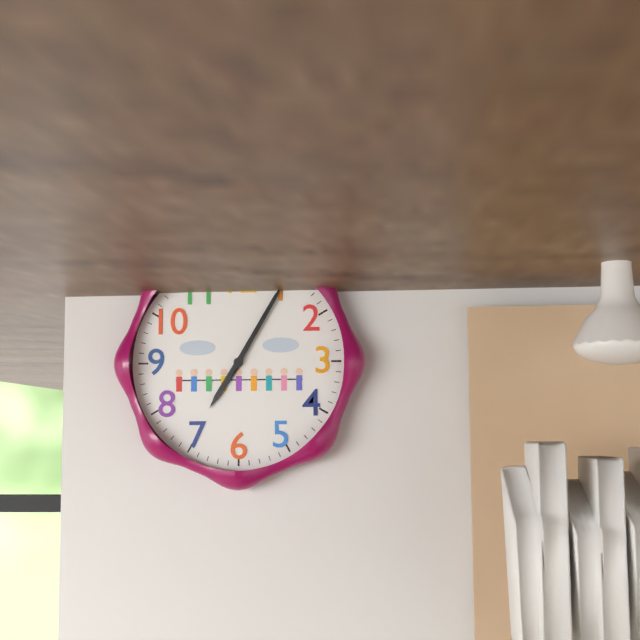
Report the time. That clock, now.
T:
7:05
